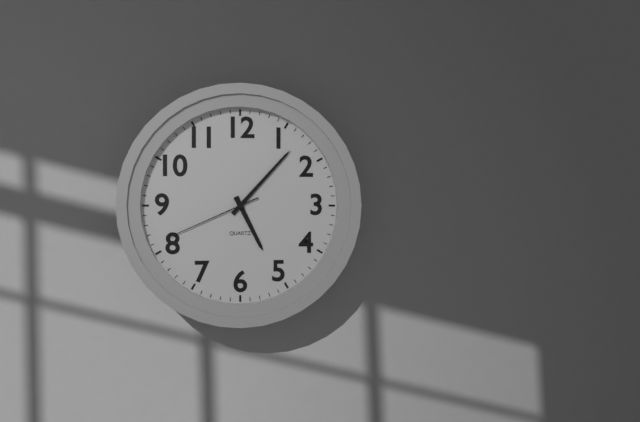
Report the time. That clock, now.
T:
5:07:41
